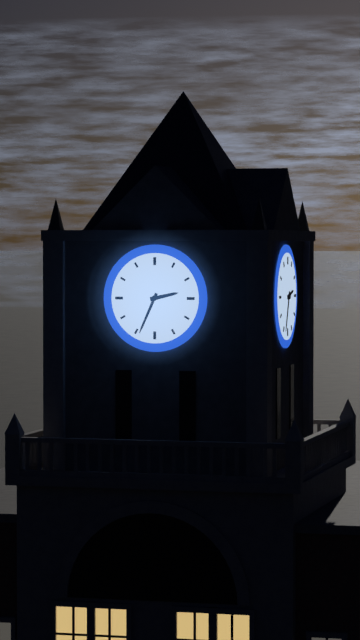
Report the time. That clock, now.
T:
2:34
